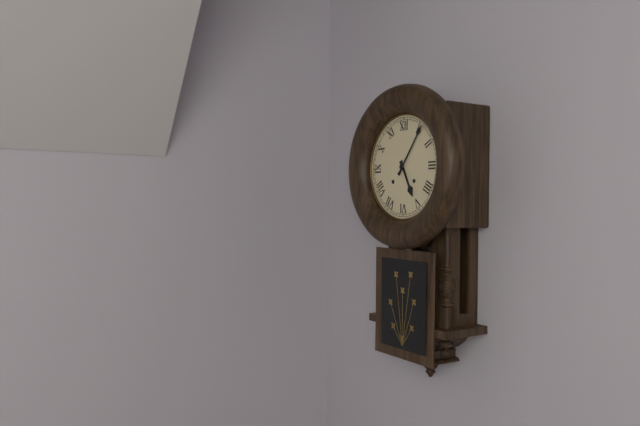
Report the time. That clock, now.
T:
5:06
